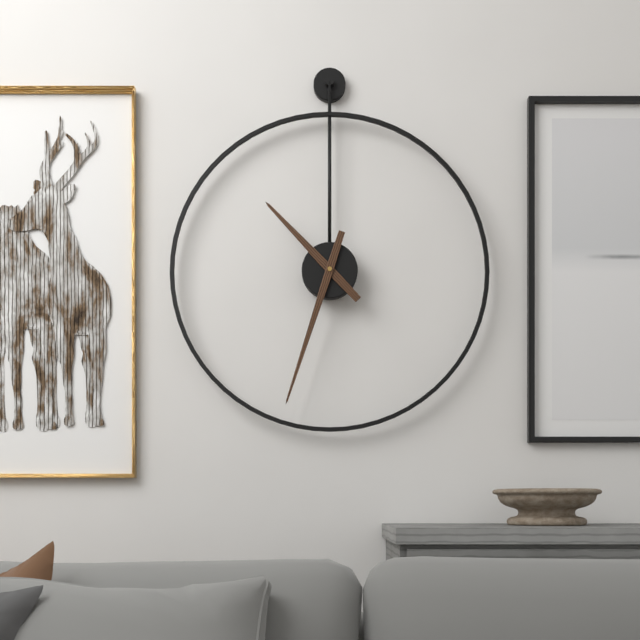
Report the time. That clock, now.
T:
10:33
